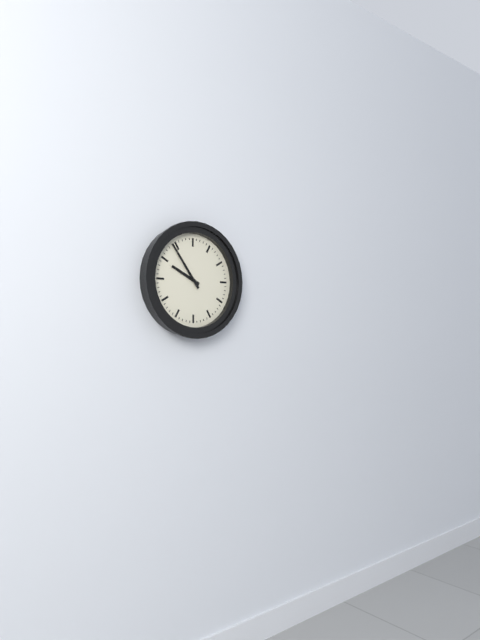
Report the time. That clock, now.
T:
9:54
